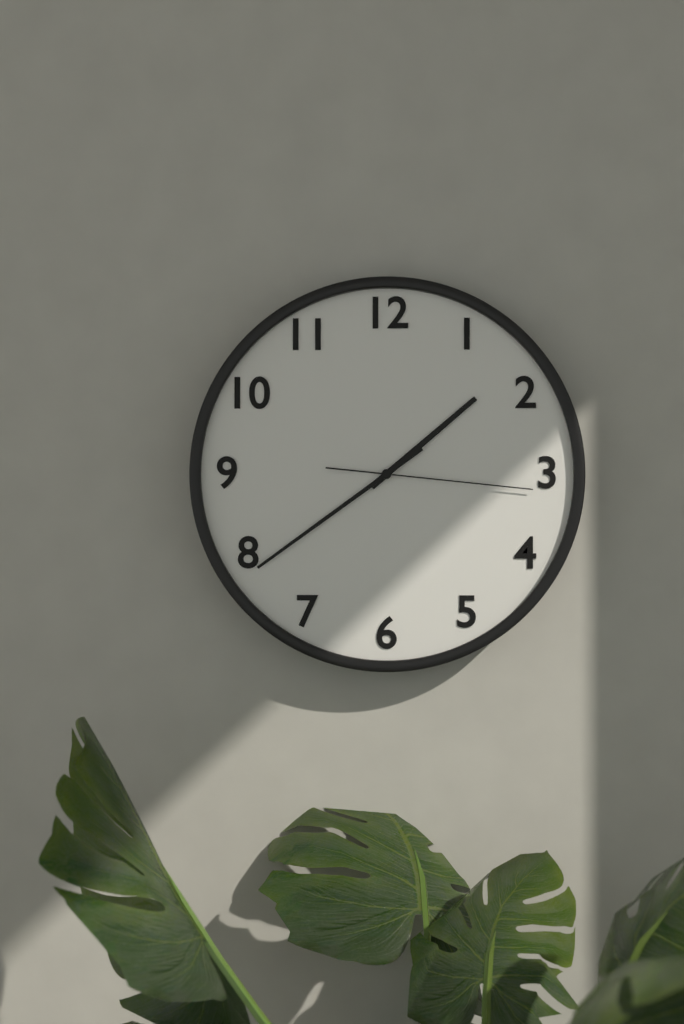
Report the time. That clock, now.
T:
1:39:16
